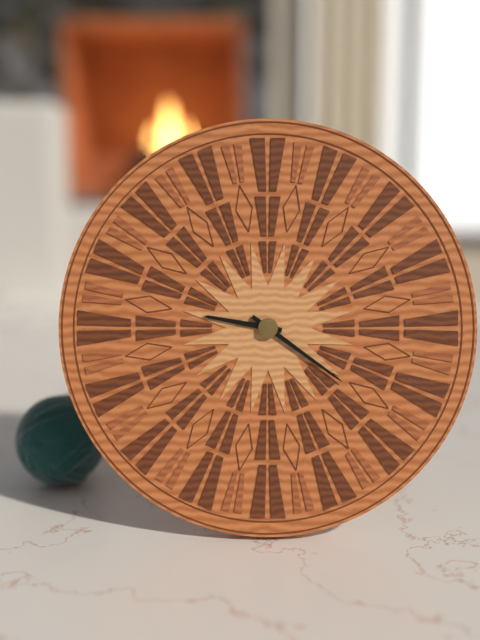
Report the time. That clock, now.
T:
9:21
